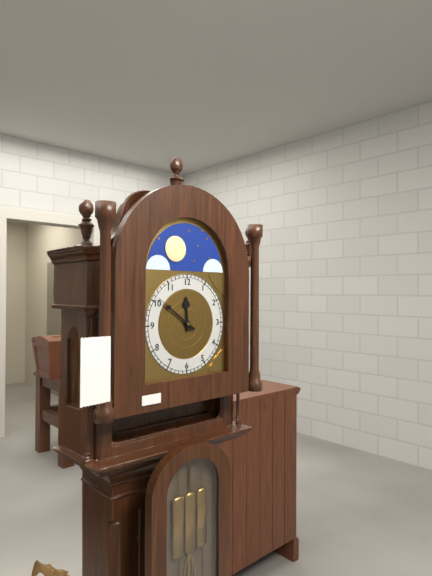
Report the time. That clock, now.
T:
11:51
